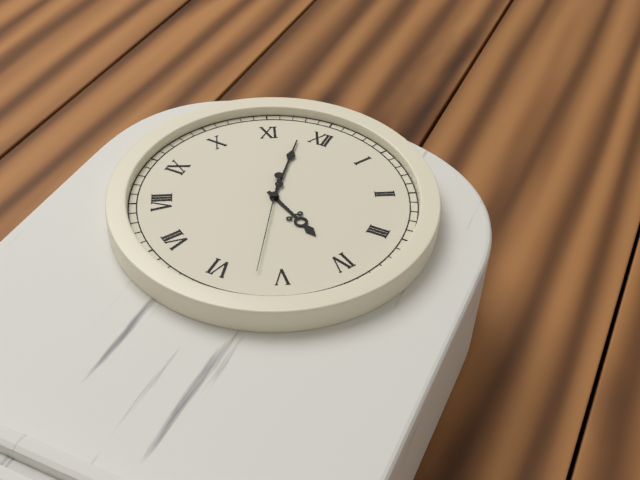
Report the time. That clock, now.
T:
3:58:27
